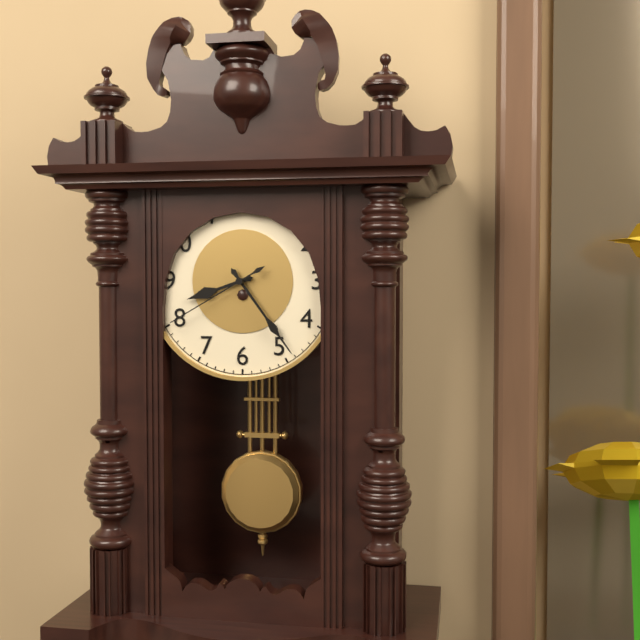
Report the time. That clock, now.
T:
8:24:40
